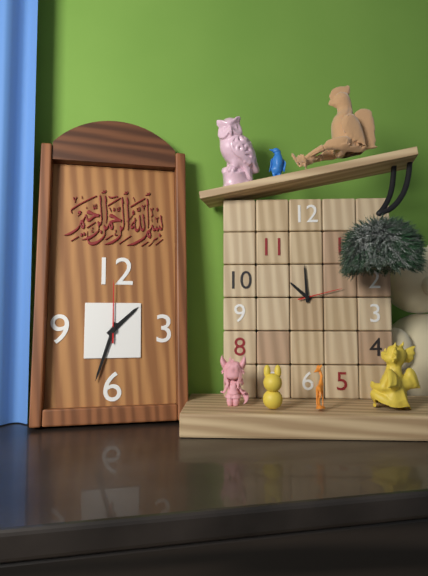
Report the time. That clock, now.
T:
1:33:00
